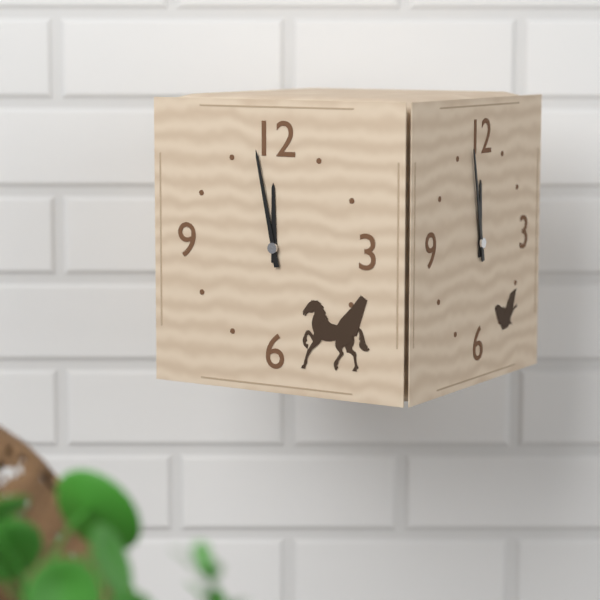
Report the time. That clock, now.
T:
11:58
